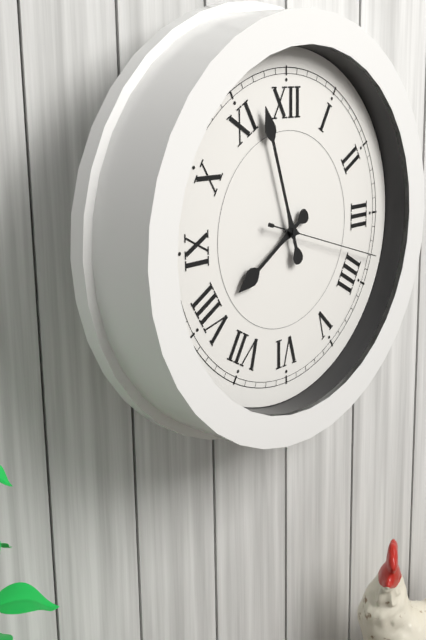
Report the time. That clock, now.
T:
7:57:18
